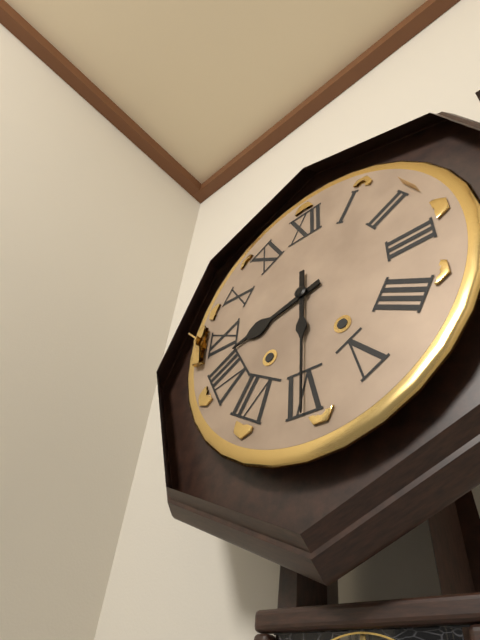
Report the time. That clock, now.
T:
8:30
